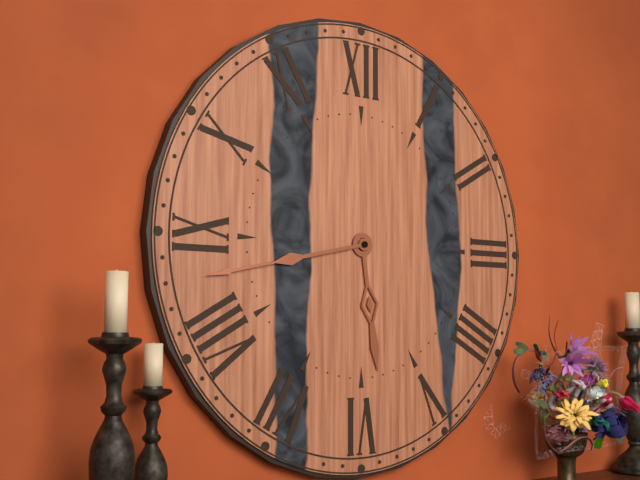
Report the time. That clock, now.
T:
5:43
